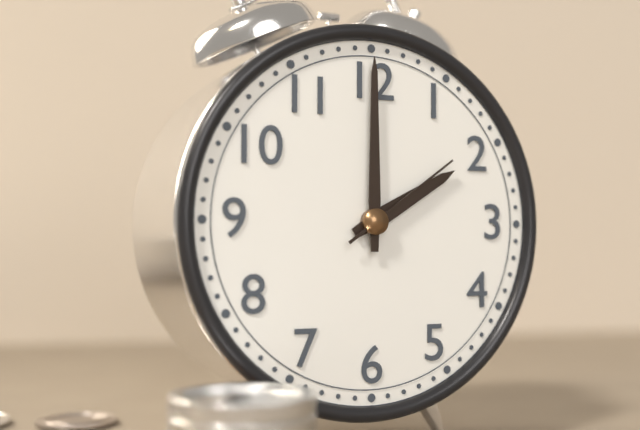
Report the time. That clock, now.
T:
2:00:09
